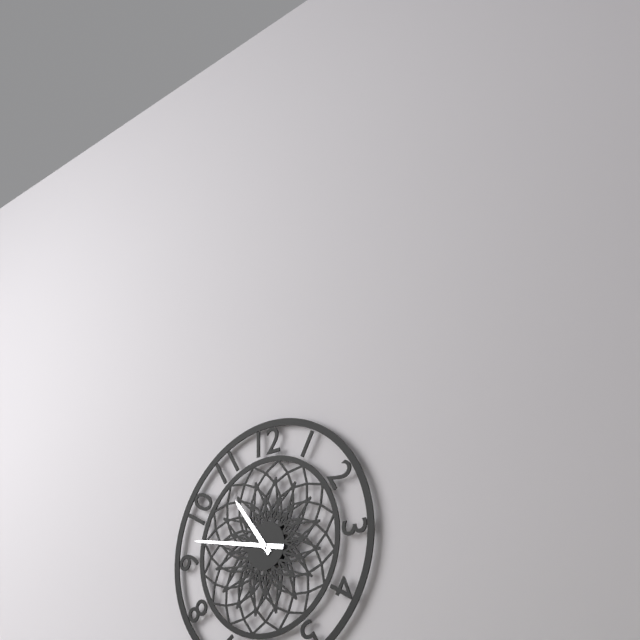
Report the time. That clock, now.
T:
10:47
